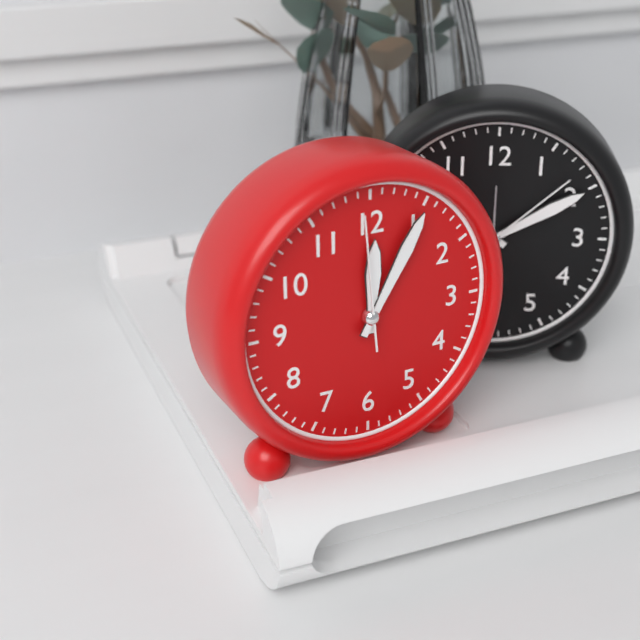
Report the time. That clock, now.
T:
12:05:59
